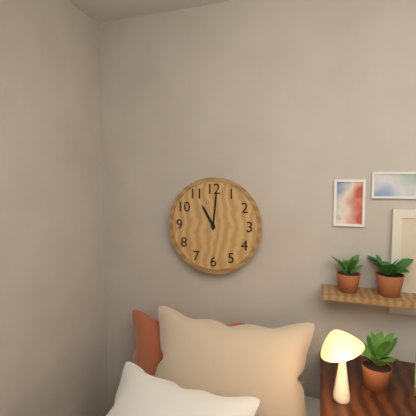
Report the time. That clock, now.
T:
11:01
